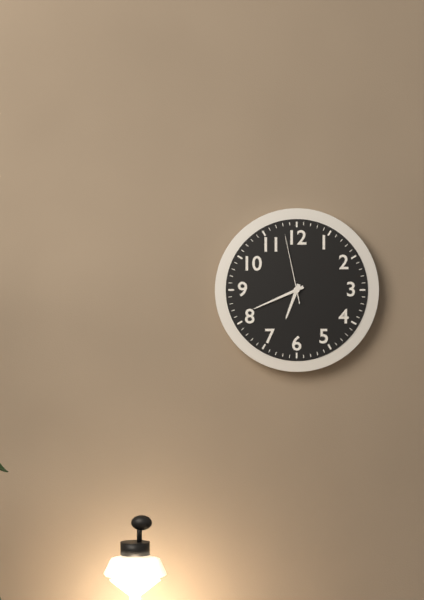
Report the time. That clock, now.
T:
6:41:58
